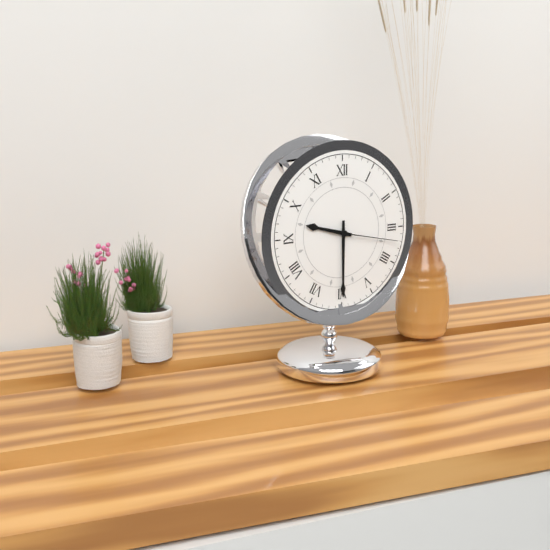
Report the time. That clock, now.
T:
9:30:17
